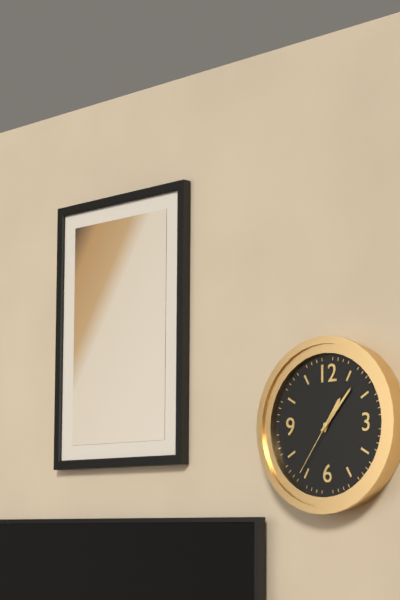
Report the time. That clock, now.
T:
1:07:36
